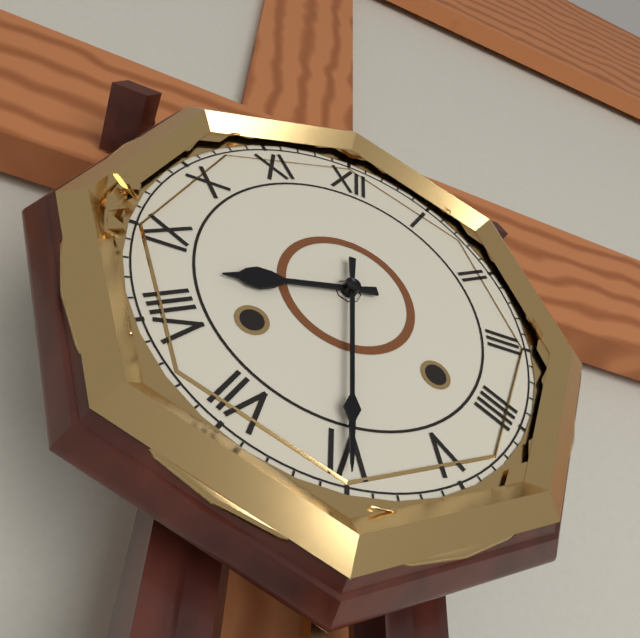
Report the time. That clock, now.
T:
8:30
